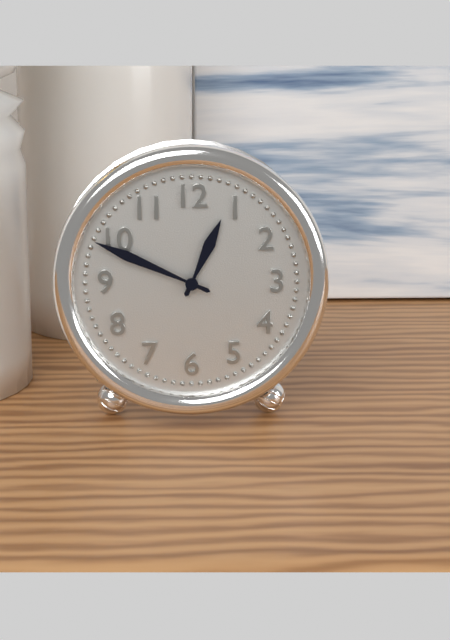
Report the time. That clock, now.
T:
12:49
